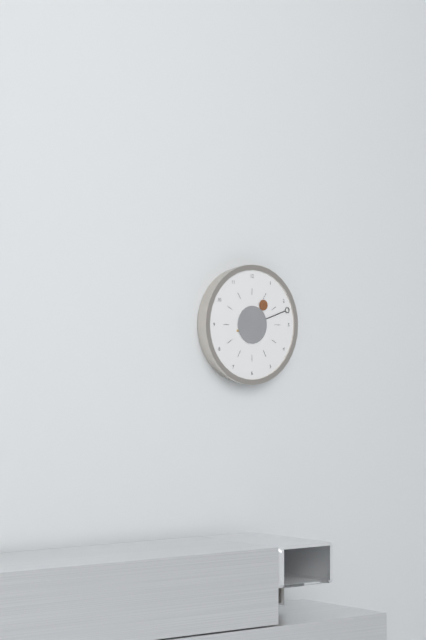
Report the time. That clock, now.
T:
1:12
